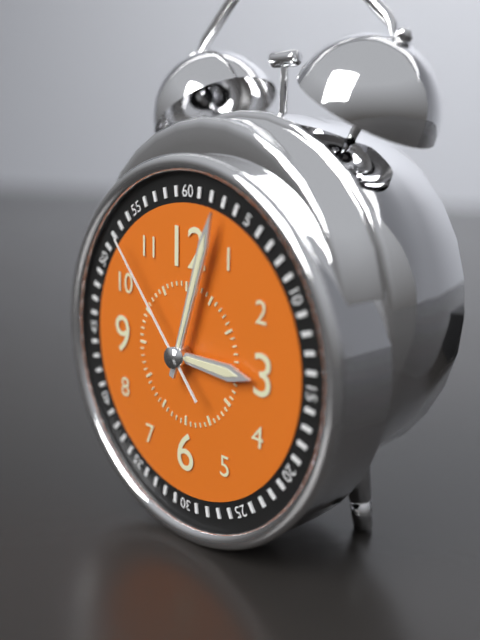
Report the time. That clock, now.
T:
3:03:53
